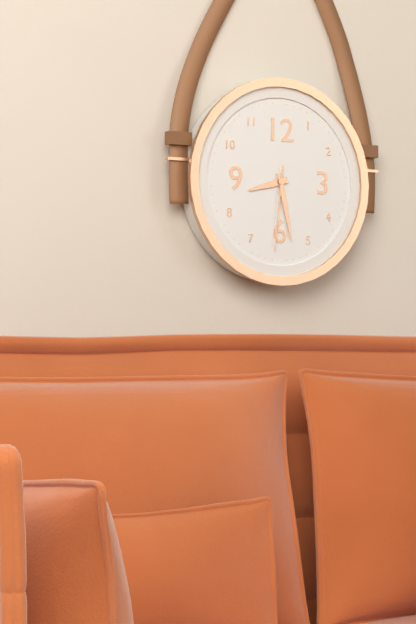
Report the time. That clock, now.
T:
8:28:31
